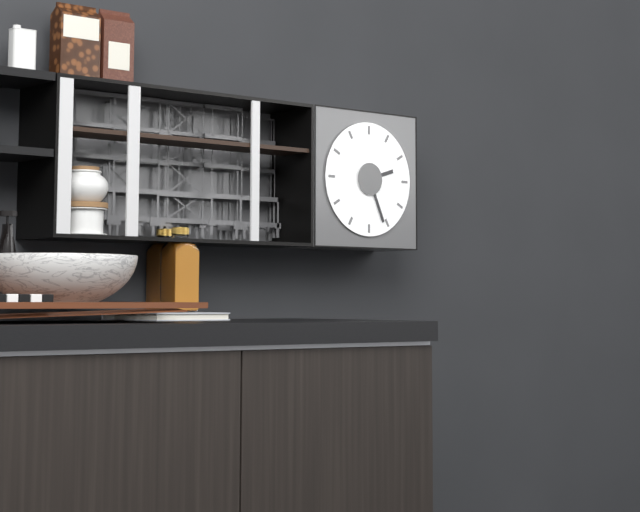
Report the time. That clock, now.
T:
2:26
